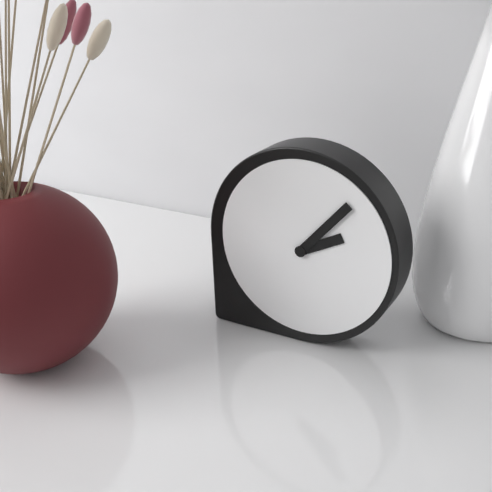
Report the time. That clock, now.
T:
2:07
